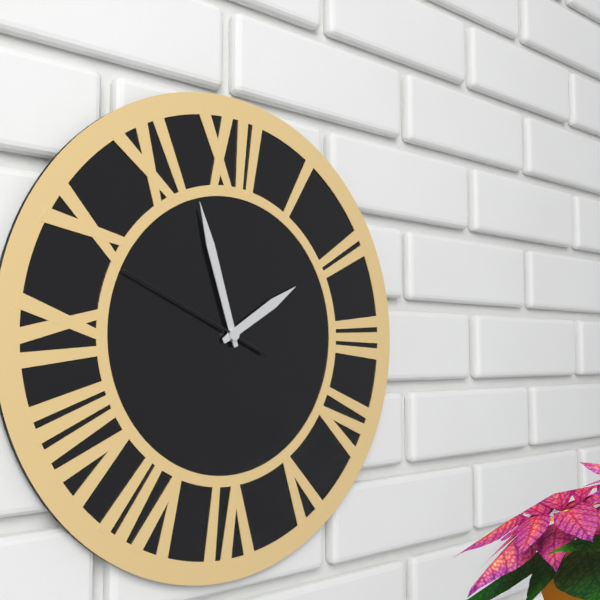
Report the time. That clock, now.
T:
1:57:49
